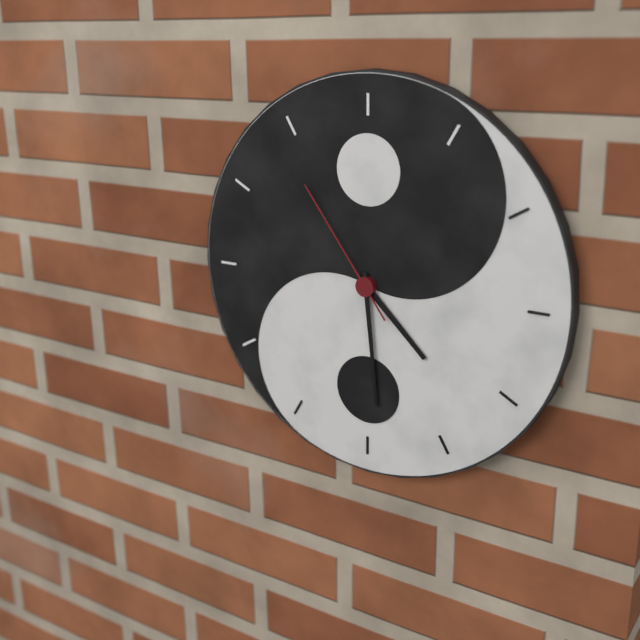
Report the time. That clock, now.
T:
4:29:54
